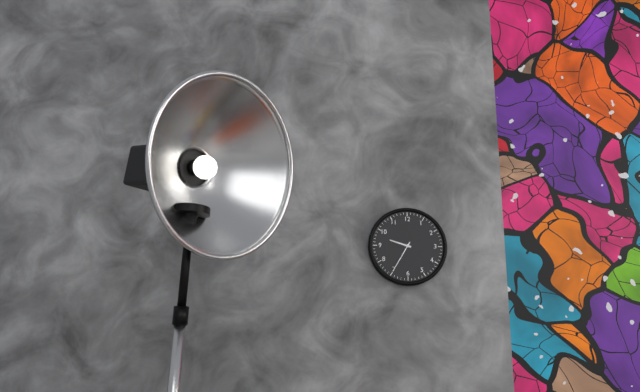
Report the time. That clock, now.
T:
9:35
